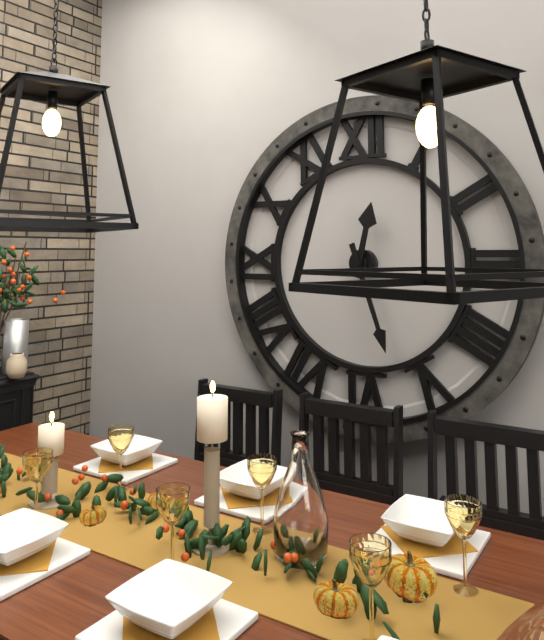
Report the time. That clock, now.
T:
12:27
